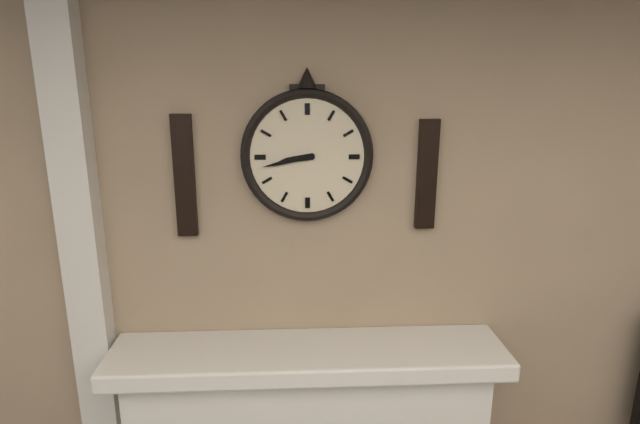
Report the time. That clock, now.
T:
8:43
